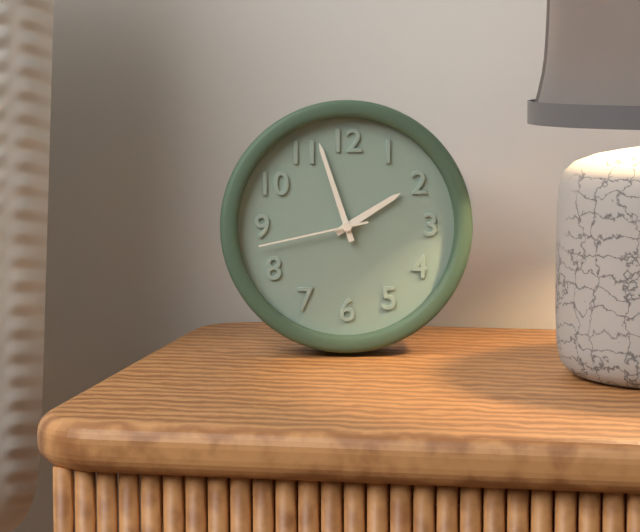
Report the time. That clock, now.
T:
1:57:43
